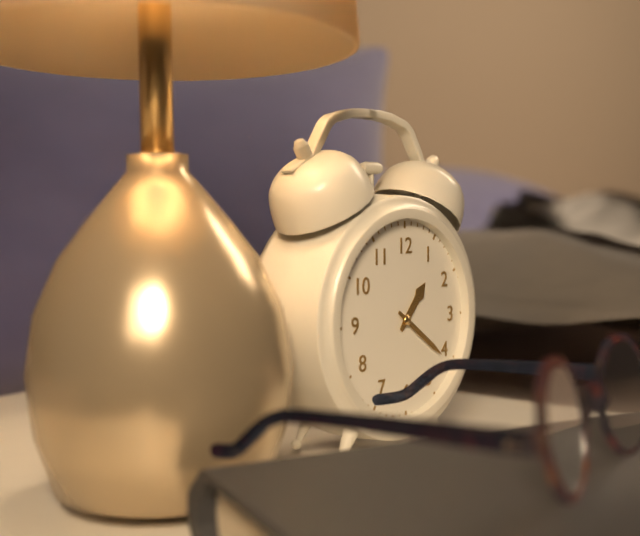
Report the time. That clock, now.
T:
1:21
